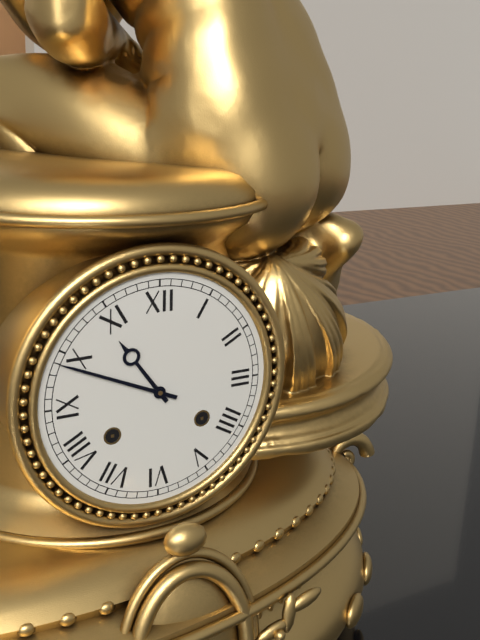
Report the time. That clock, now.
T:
10:49
